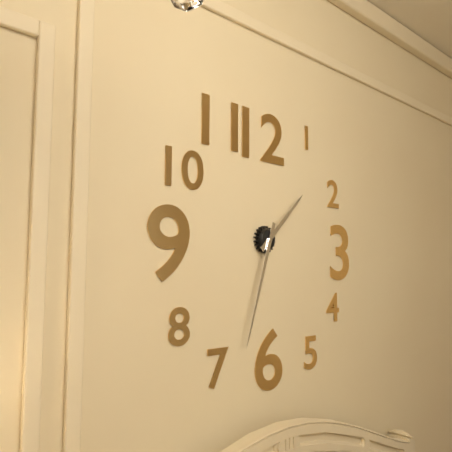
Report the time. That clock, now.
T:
1:33
